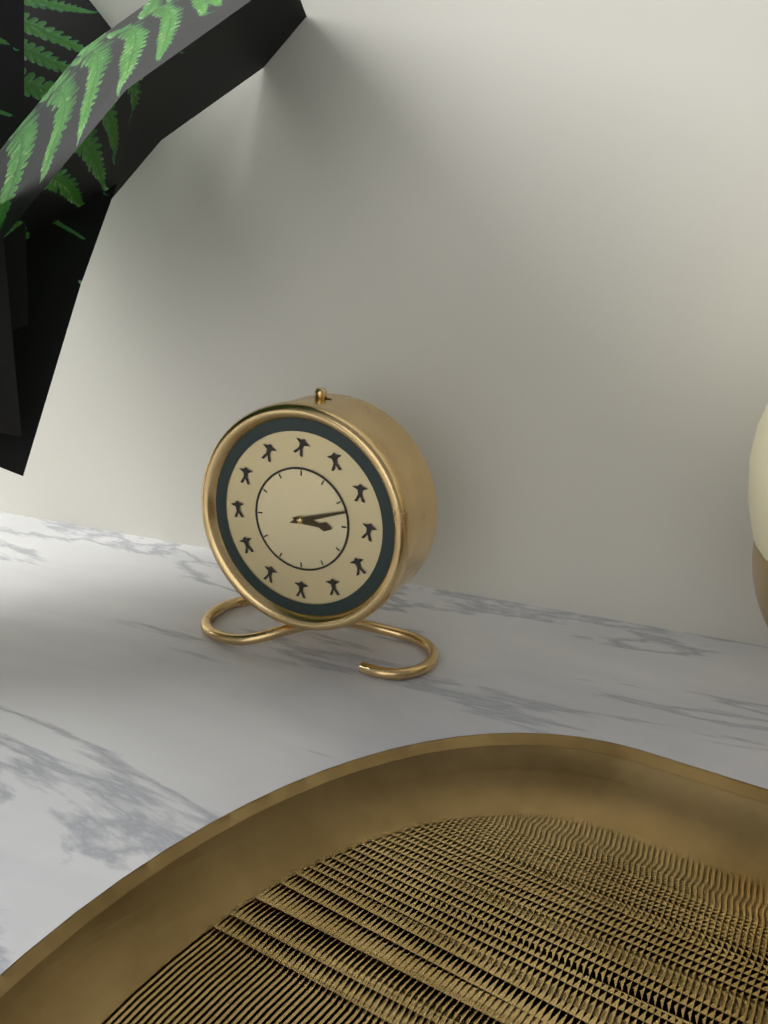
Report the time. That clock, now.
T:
3:12
